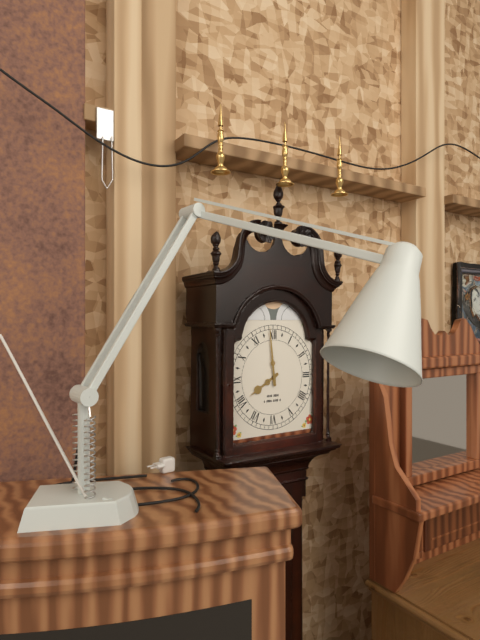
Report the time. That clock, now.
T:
7:59
